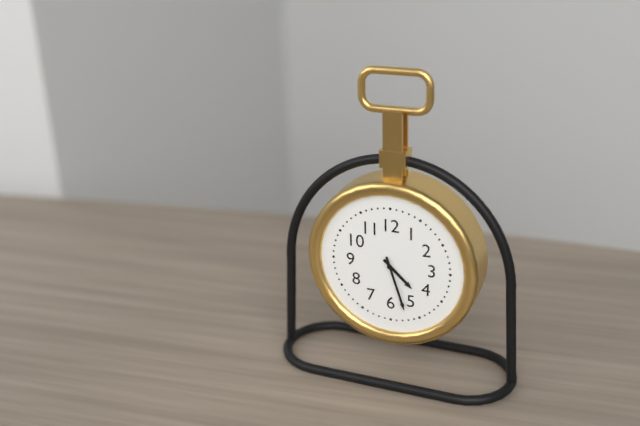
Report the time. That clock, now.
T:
4:27
